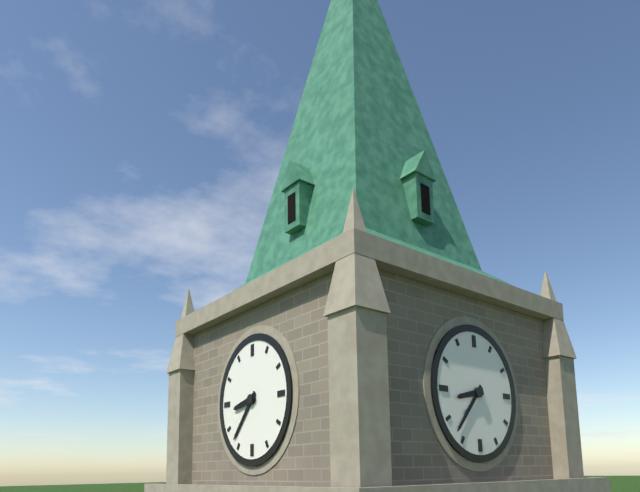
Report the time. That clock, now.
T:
8:37
